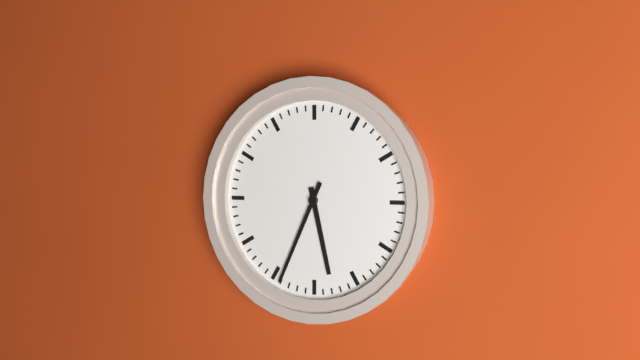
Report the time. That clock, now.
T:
5:34
